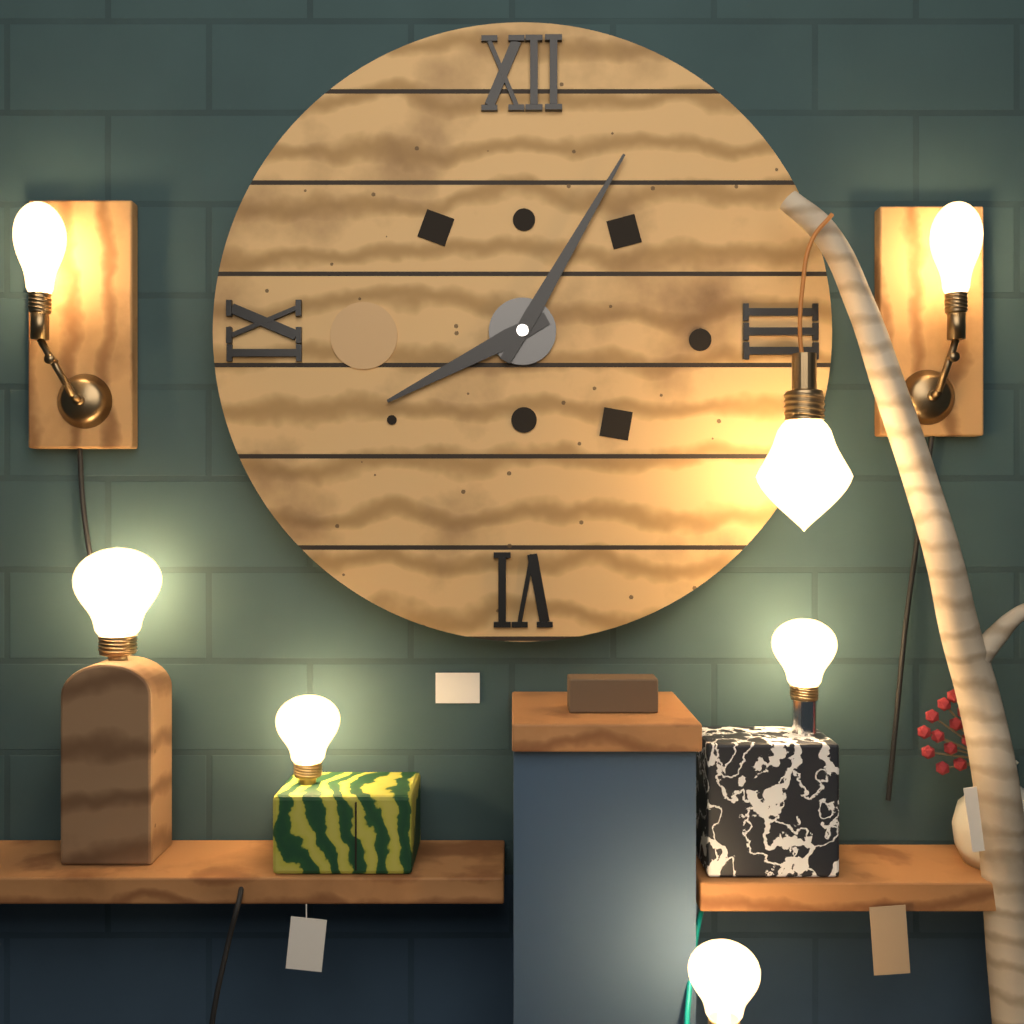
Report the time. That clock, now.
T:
8:05
